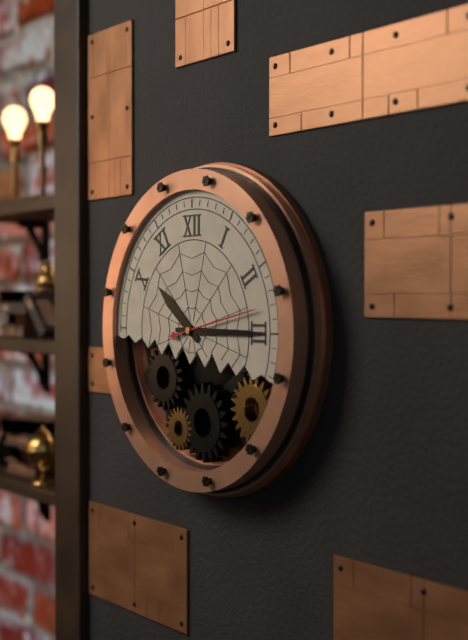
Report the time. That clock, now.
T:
10:15:13
